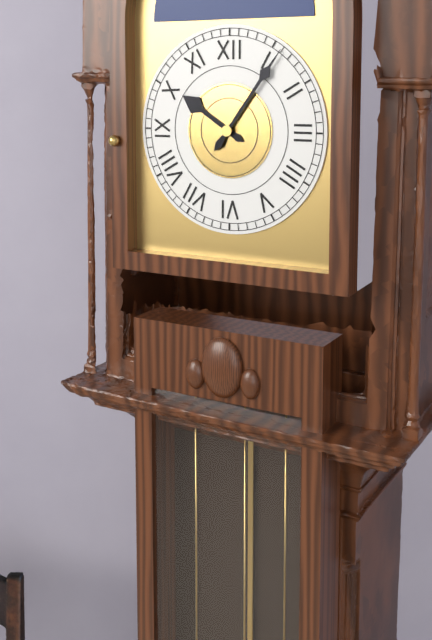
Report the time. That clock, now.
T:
10:06
